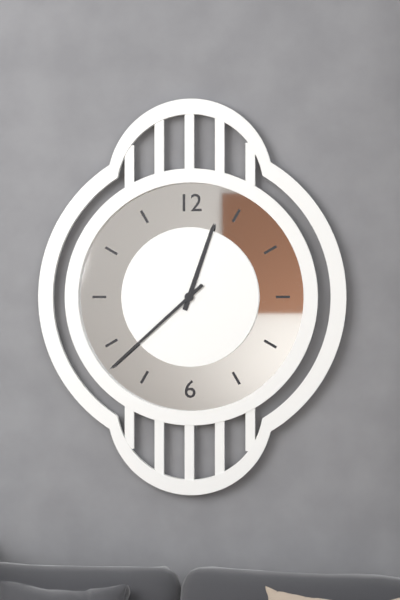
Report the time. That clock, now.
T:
12:38
